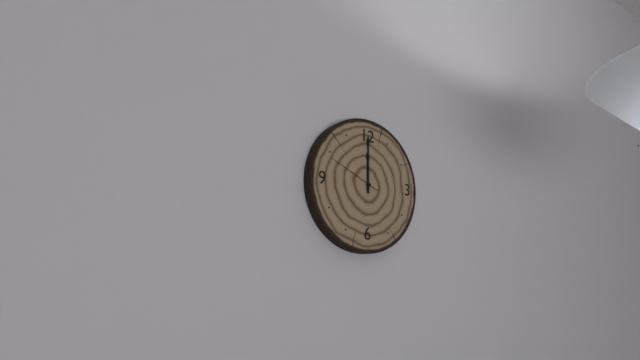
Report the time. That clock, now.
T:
12:00:49
